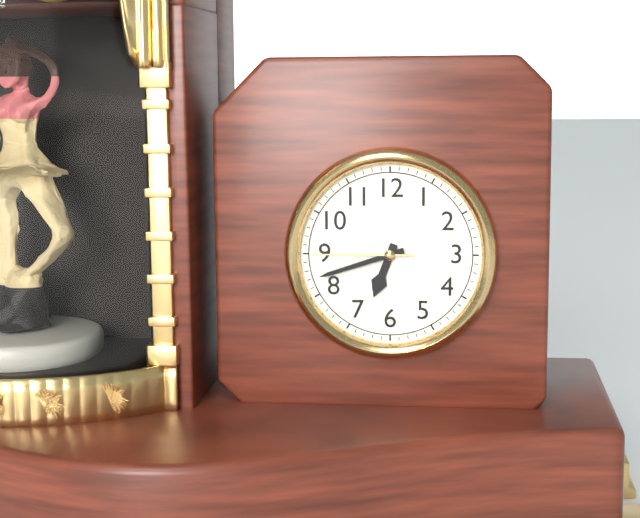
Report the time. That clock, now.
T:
6:42:45
